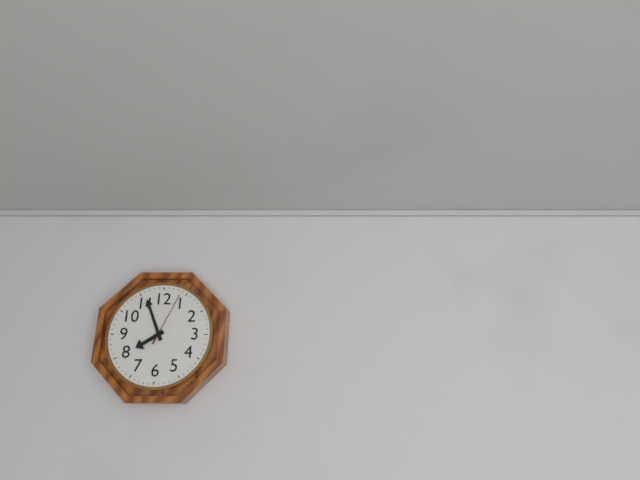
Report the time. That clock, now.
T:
7:56:04
